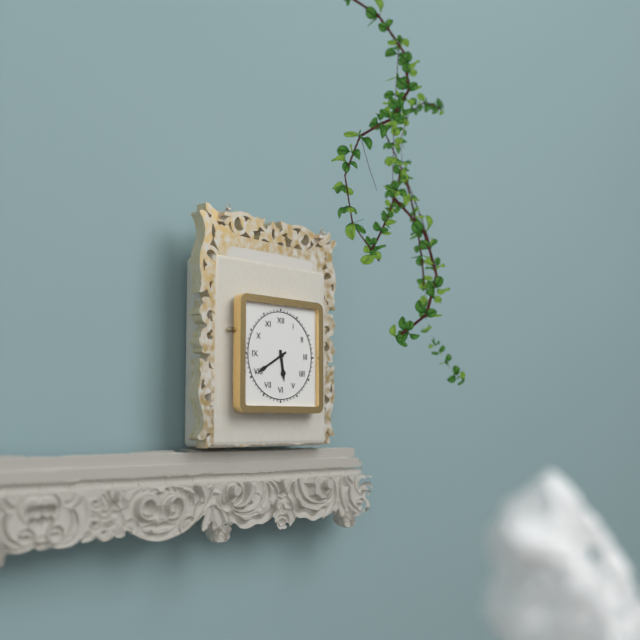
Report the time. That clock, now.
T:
5:40
